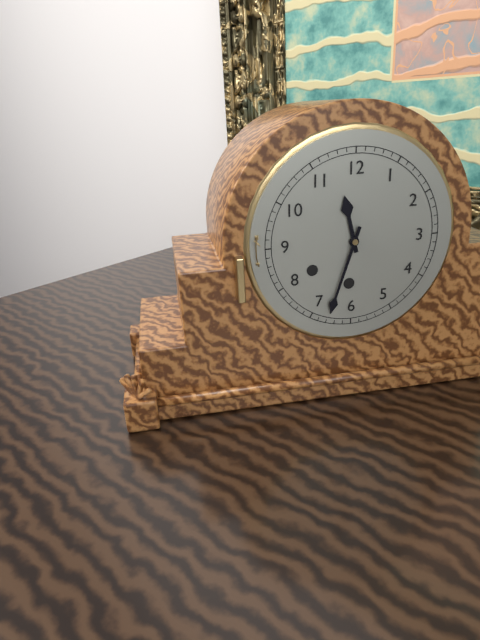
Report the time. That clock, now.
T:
11:33
